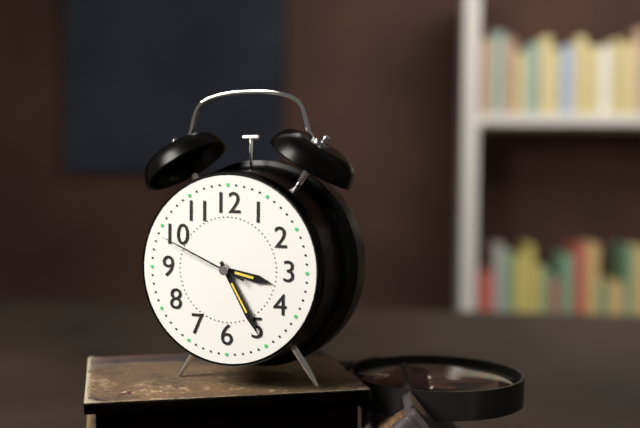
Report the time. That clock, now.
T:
3:25:49
